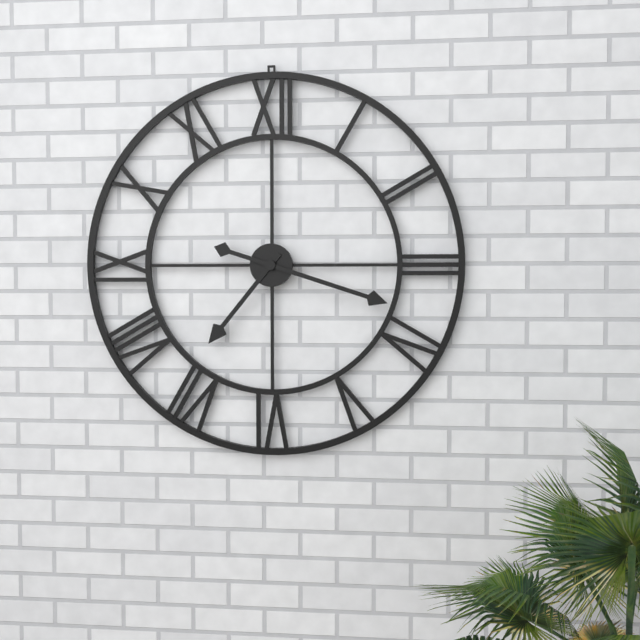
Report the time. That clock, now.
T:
7:18
